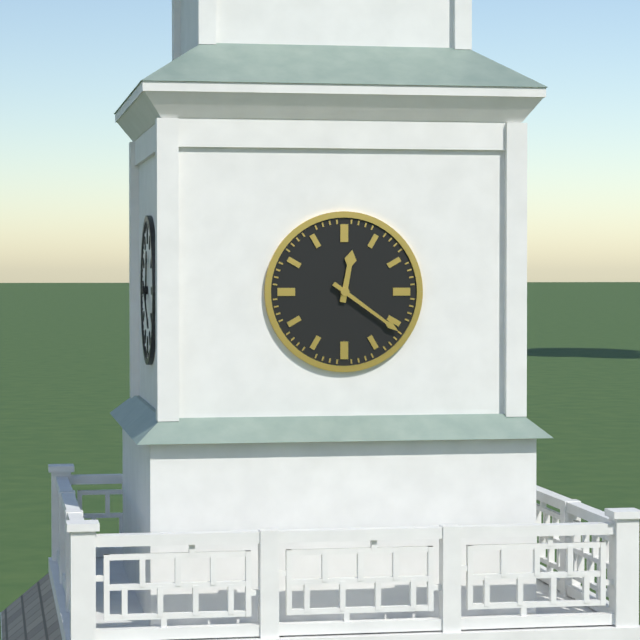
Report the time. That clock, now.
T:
12:21
